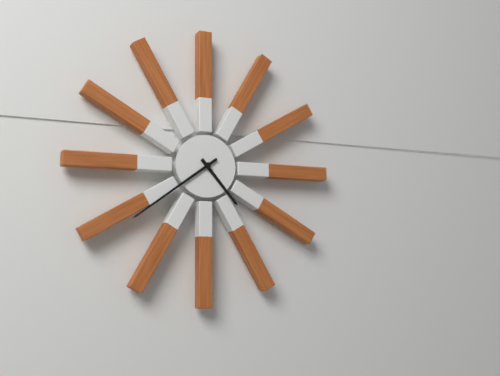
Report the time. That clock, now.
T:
4:39
